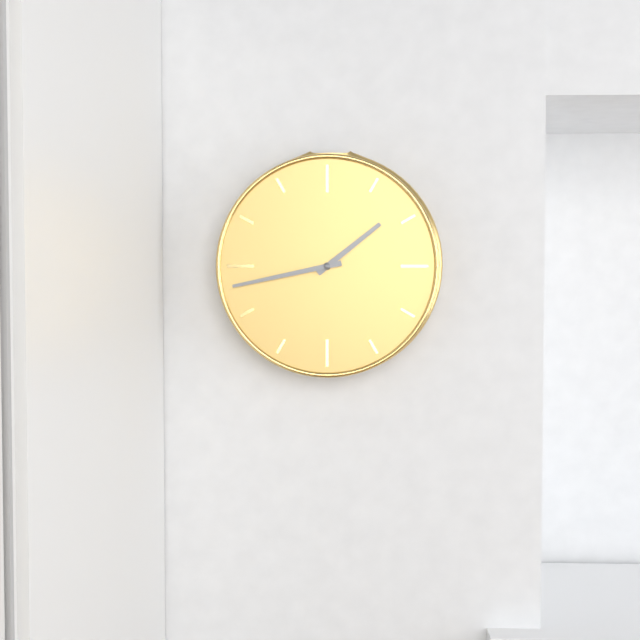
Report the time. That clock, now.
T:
1:43
